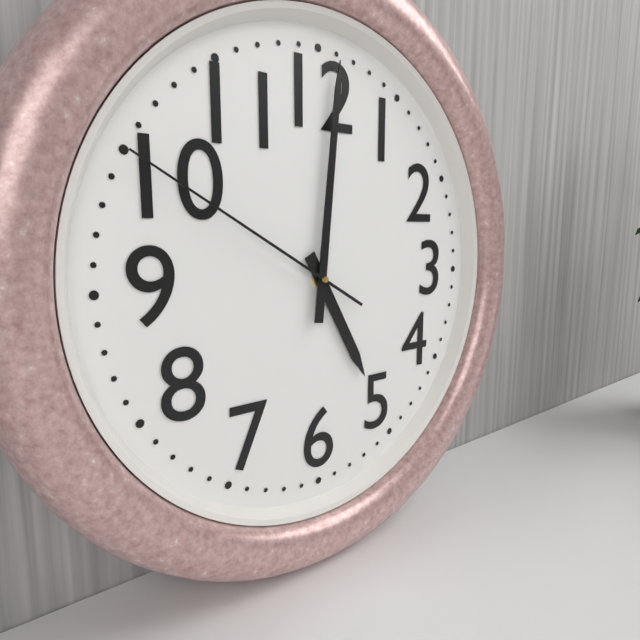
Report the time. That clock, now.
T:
5:01:50
